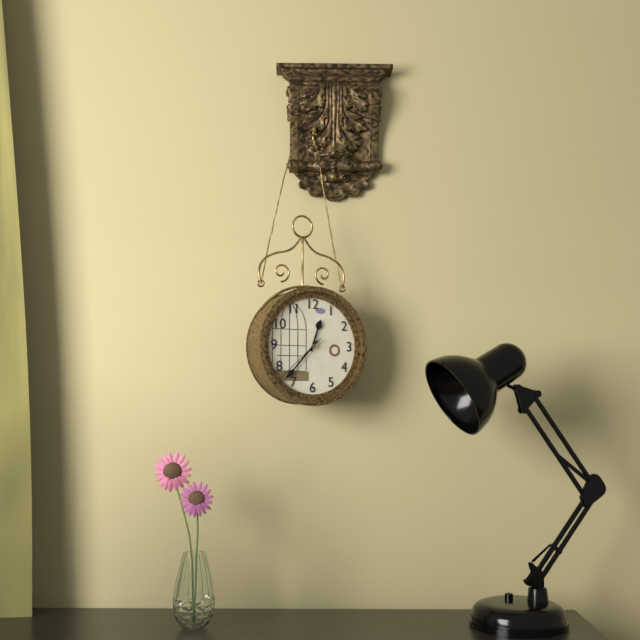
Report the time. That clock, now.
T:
12:37:38
